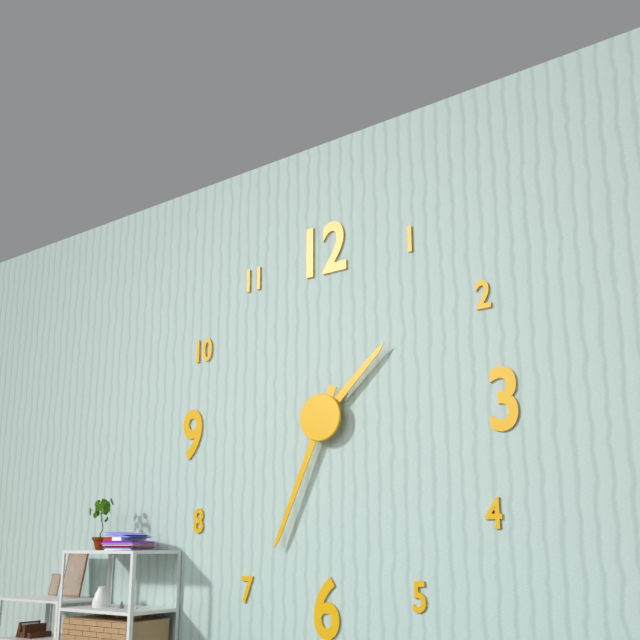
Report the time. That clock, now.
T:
1:34
